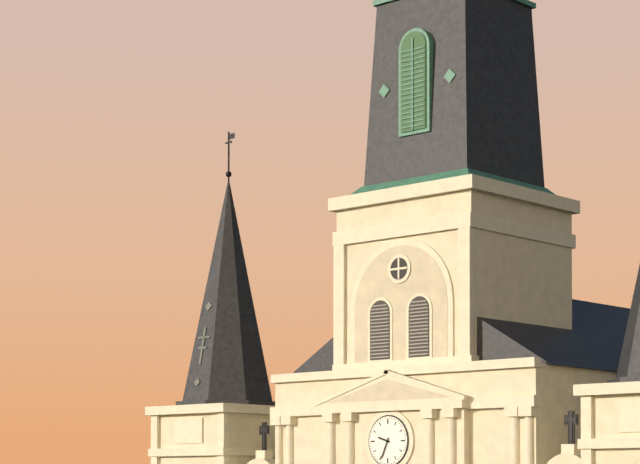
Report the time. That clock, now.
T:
9:34
